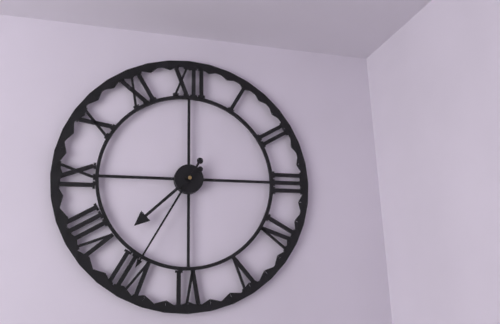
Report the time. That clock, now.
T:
7:35
